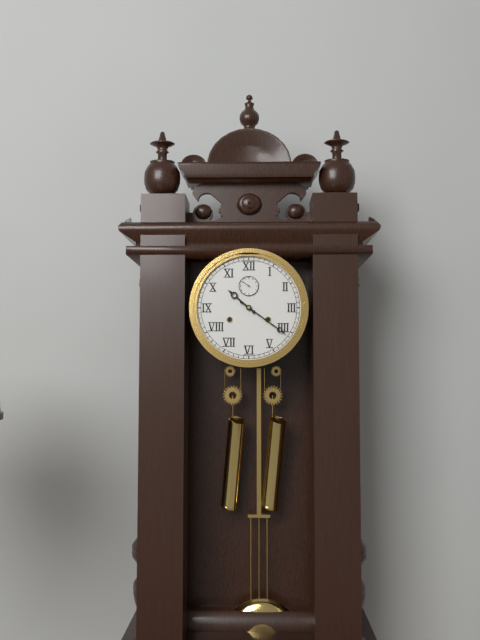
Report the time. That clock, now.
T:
10:21
